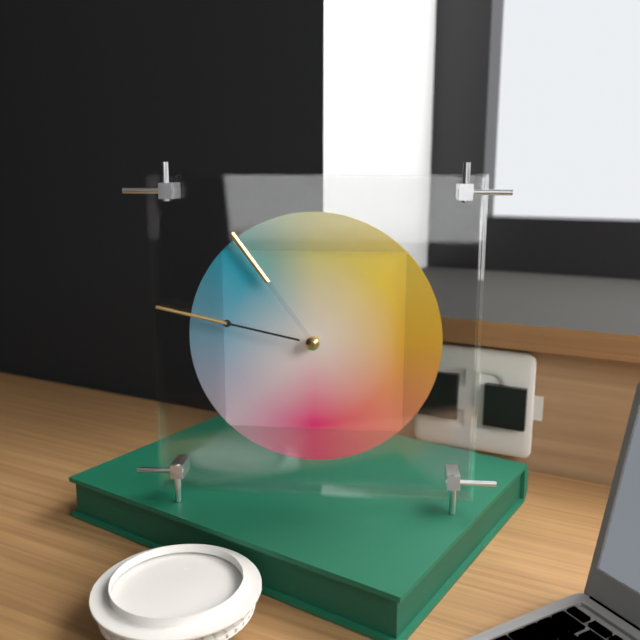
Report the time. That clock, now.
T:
10:47
